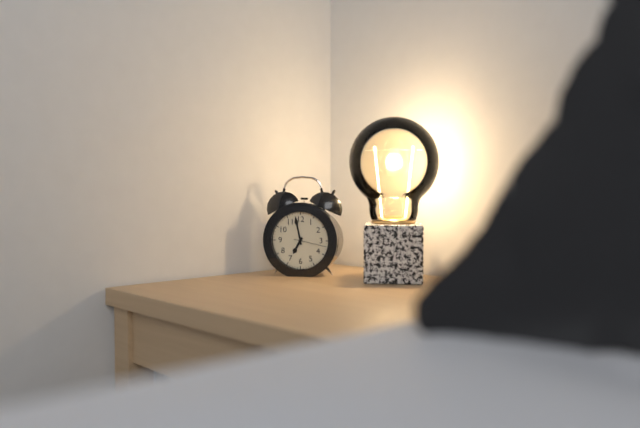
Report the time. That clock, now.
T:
6:58
